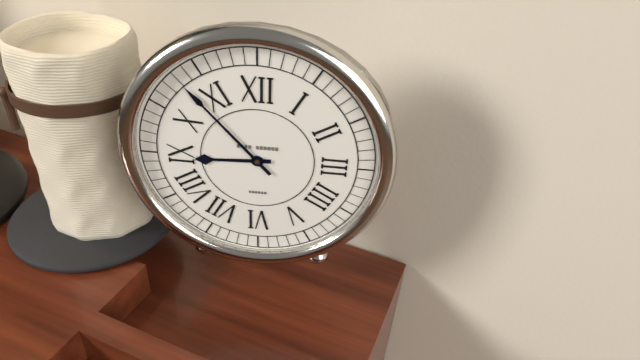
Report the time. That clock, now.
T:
8:53
